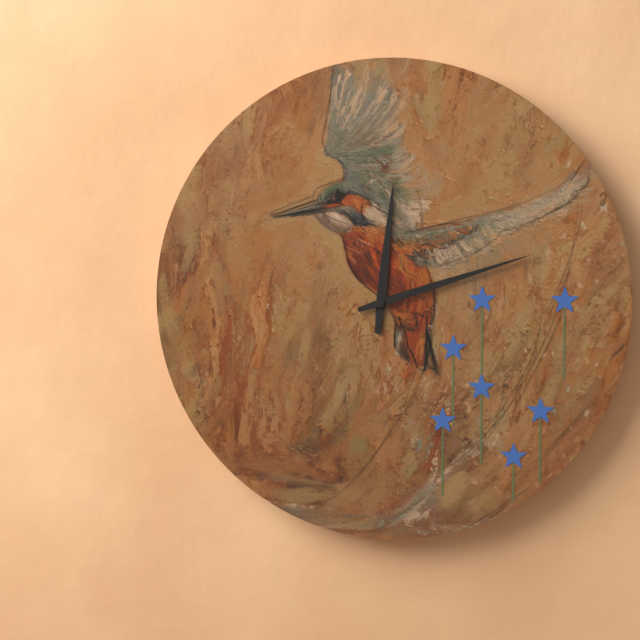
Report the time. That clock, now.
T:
12:12
